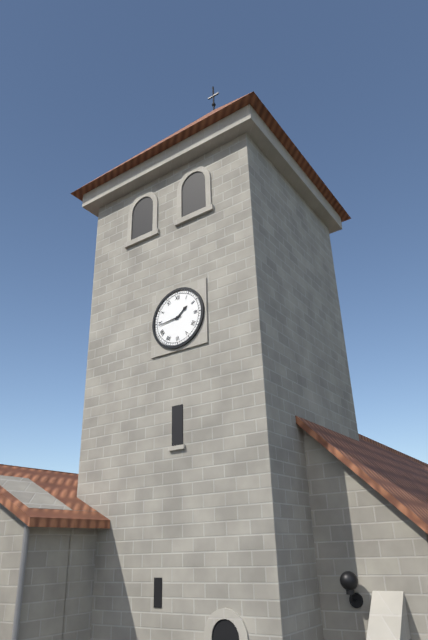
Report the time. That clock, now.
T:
1:44
